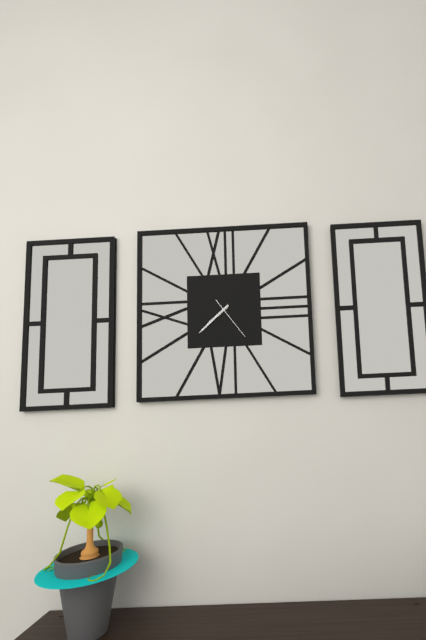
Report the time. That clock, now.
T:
7:38
